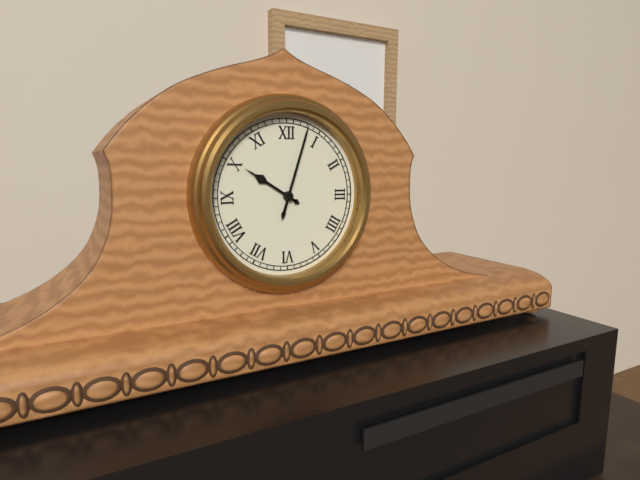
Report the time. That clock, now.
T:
10:03
